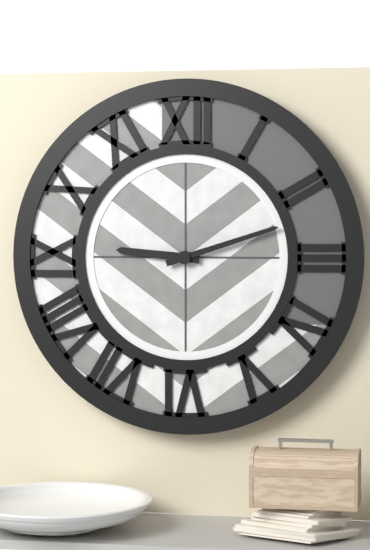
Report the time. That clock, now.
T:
9:12
